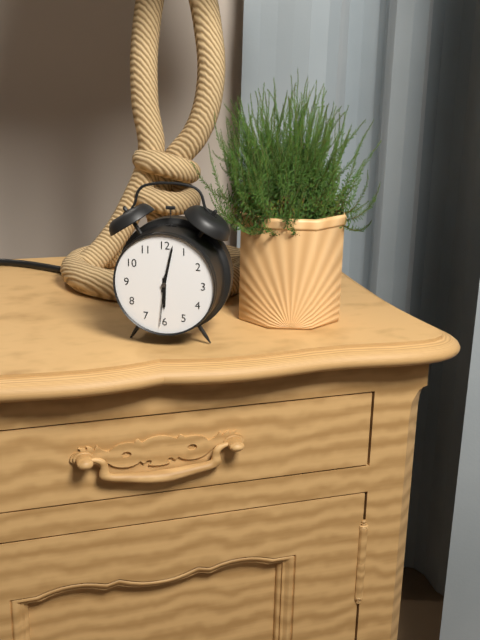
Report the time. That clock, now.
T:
6:02:31
